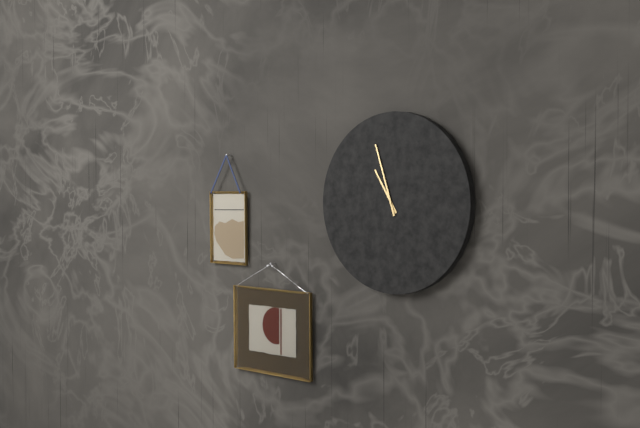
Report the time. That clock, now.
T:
10:57
